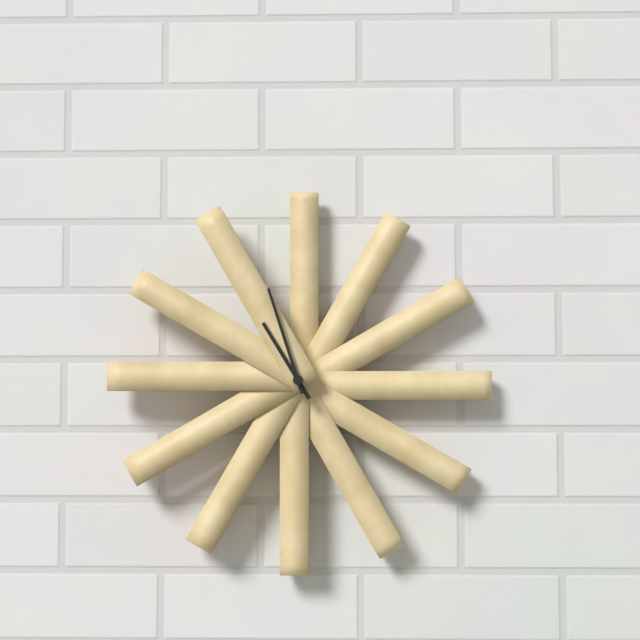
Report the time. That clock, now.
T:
10:57
